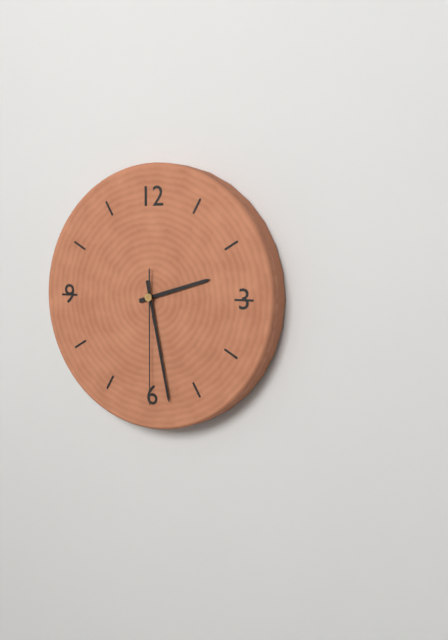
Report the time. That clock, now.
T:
2:28:30
